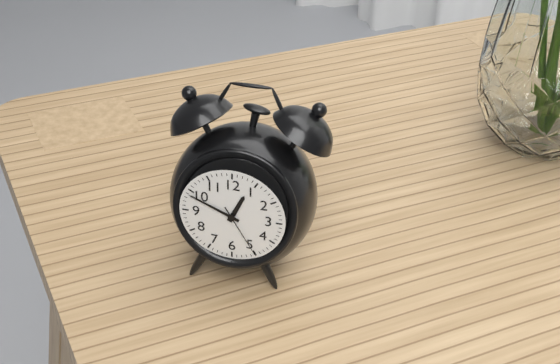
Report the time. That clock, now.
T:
12:49:25
